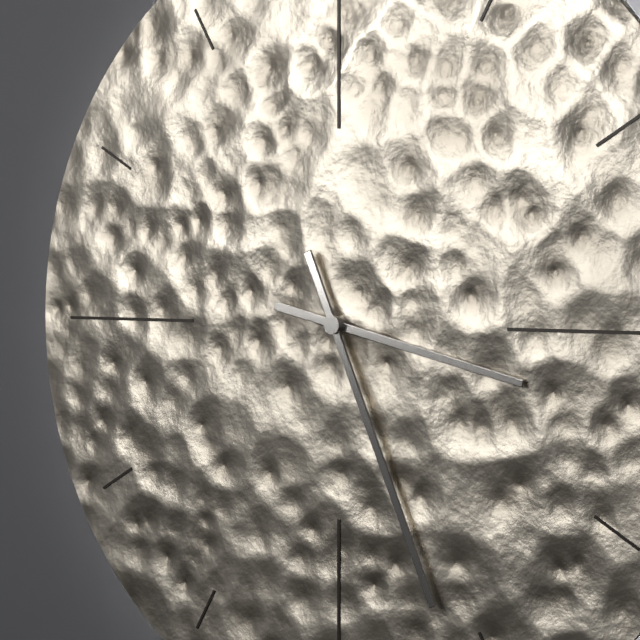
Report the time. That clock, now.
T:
3:26
